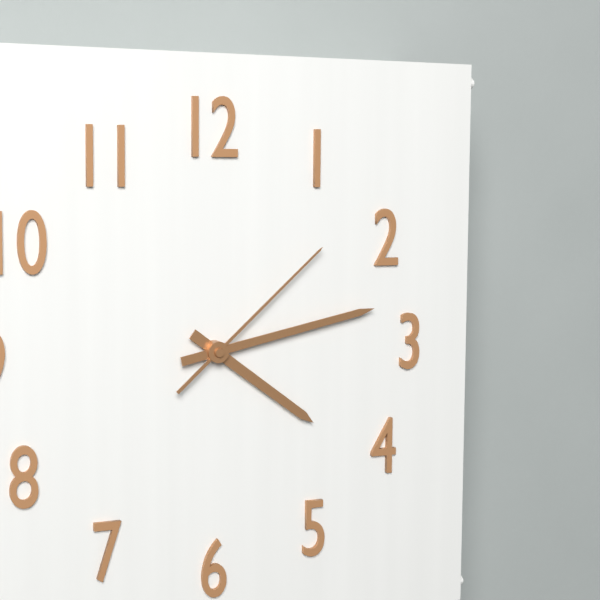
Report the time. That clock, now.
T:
4:13:08
